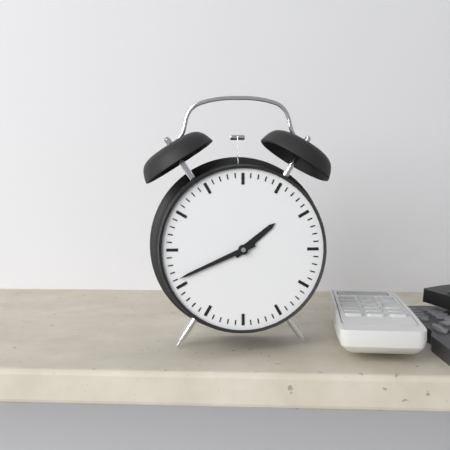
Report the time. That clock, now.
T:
1:41
